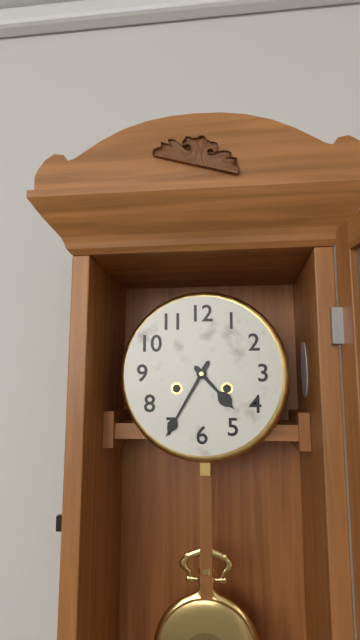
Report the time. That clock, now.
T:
4:35
